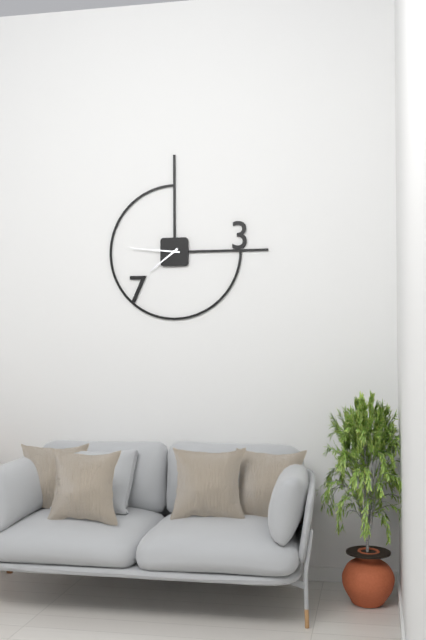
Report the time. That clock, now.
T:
7:46
